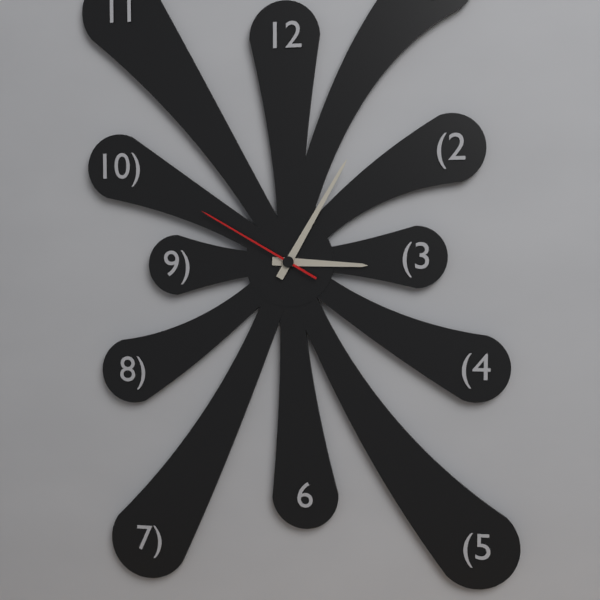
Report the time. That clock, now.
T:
3:05:50
